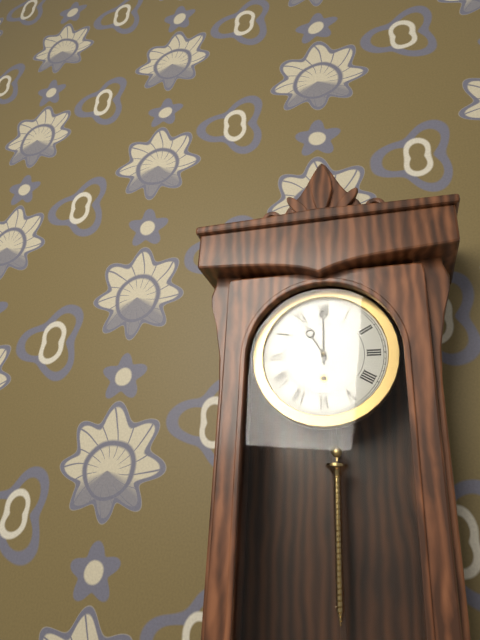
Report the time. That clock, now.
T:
11:00
